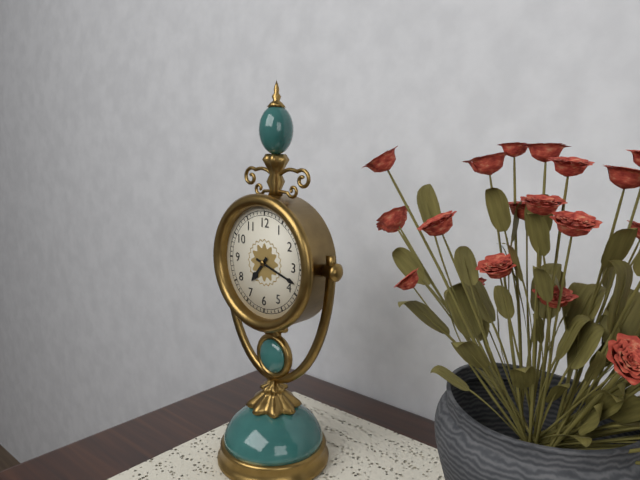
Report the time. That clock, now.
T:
7:18
